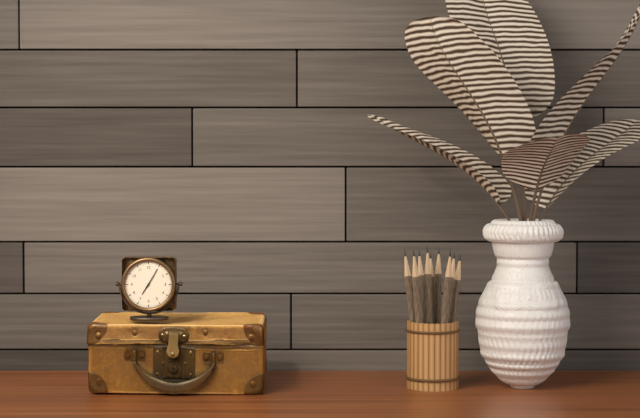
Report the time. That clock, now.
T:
7:05
